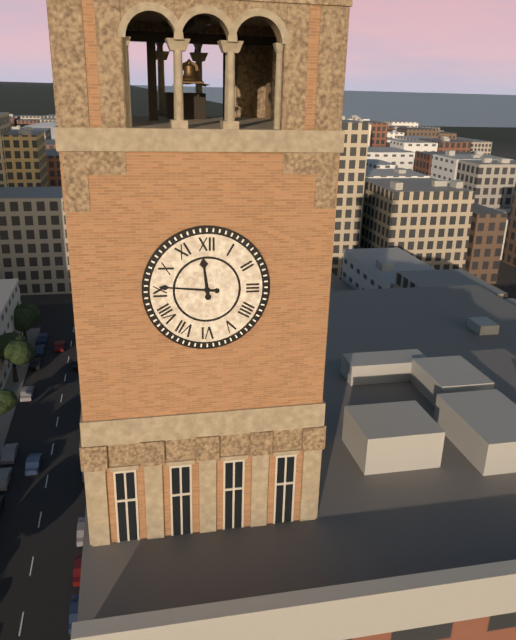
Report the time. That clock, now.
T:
11:46
